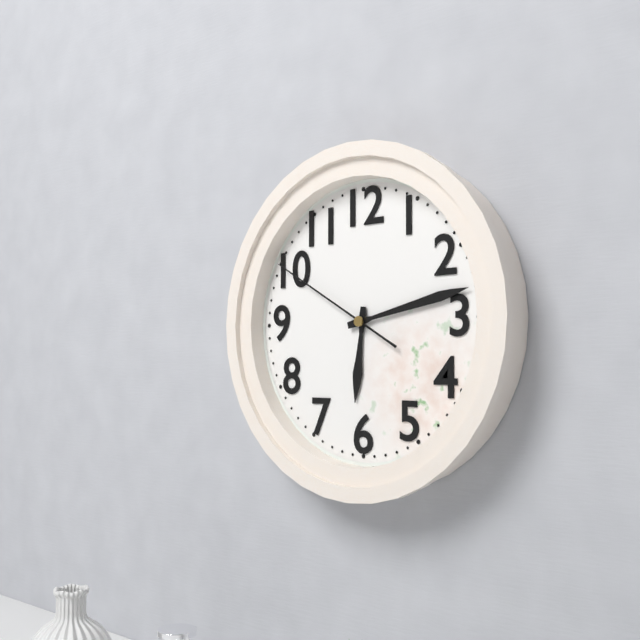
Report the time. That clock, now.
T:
6:13:50
